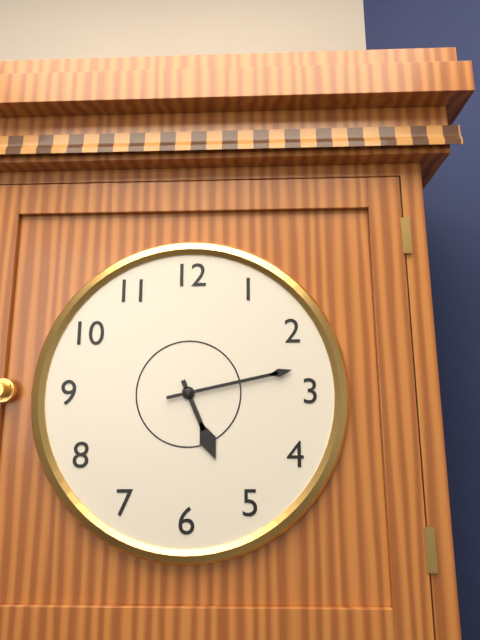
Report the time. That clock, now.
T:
5:13
